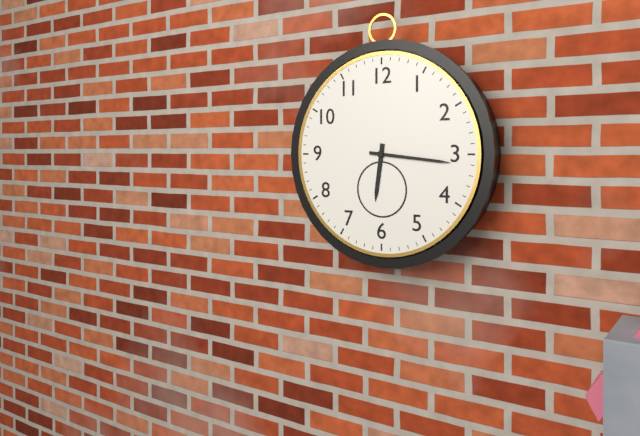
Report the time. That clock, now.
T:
6:16
